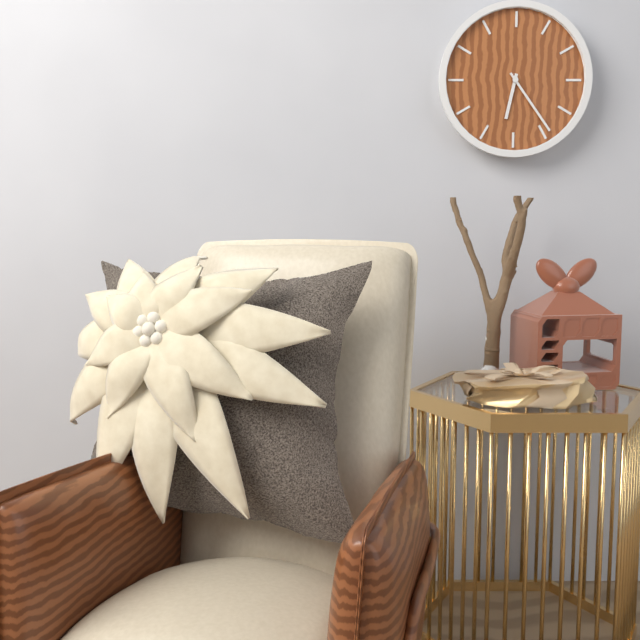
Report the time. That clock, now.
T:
6:24
